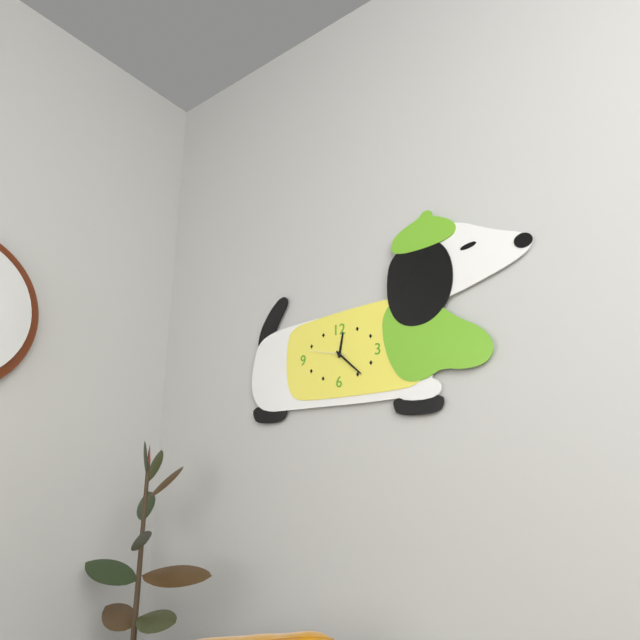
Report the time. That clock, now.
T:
12:22
